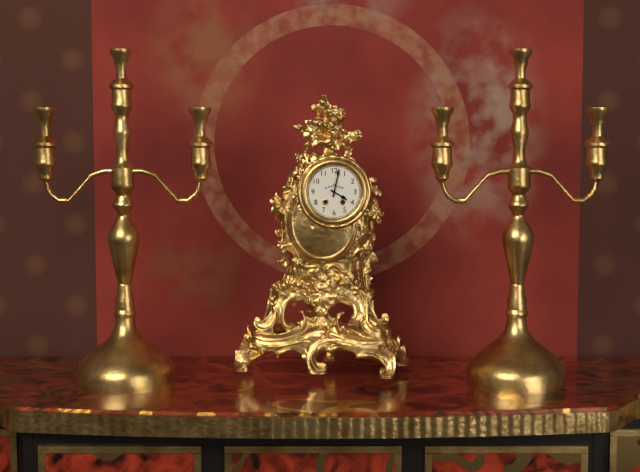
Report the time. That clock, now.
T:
4:02
